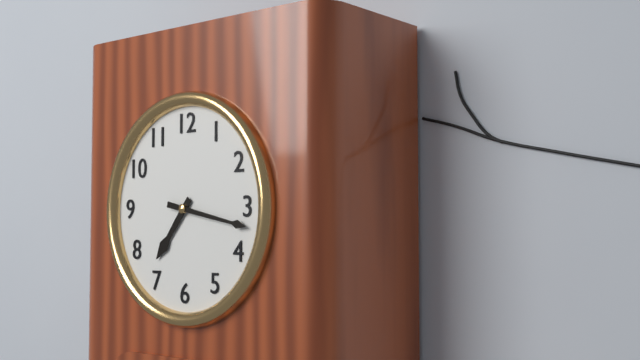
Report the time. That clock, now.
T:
7:17
